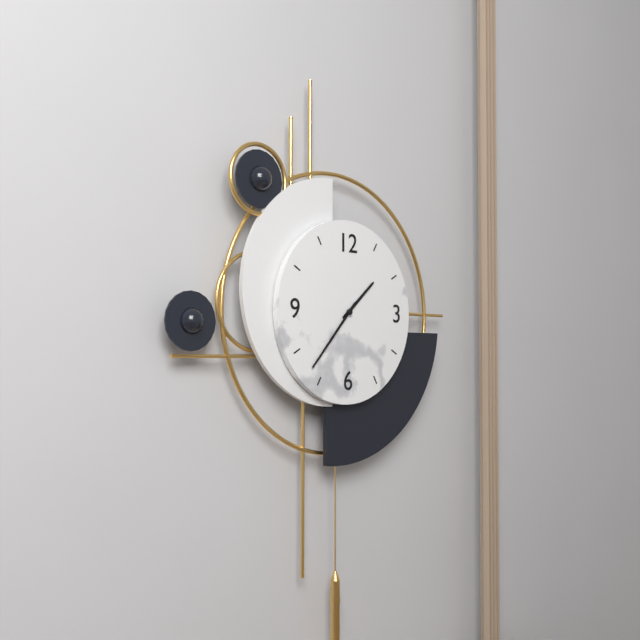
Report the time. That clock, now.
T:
1:37
